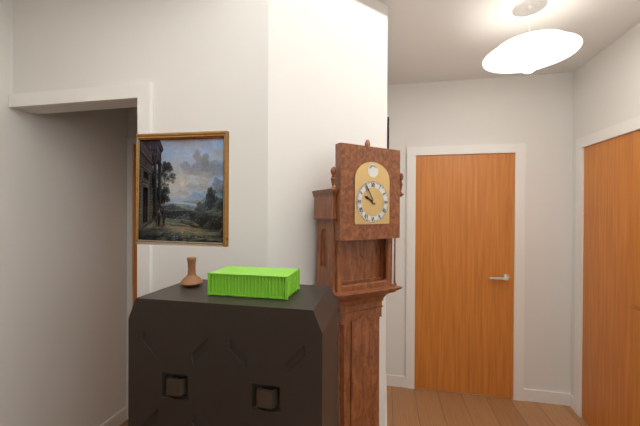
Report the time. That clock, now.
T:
9:55
